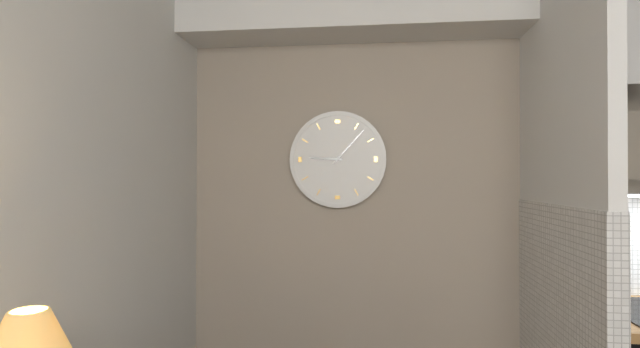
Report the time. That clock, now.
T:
9:07
